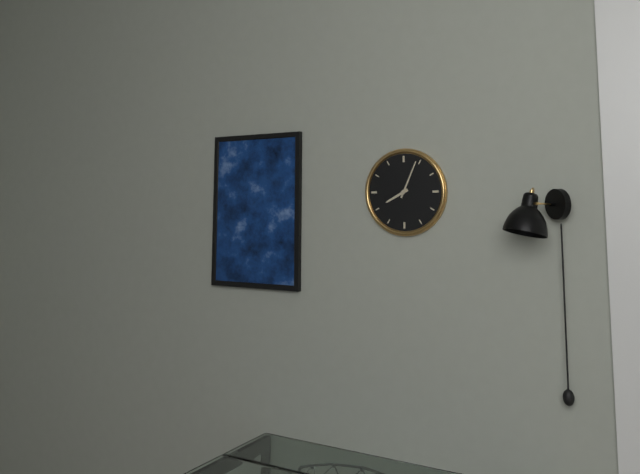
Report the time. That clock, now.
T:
8:04
